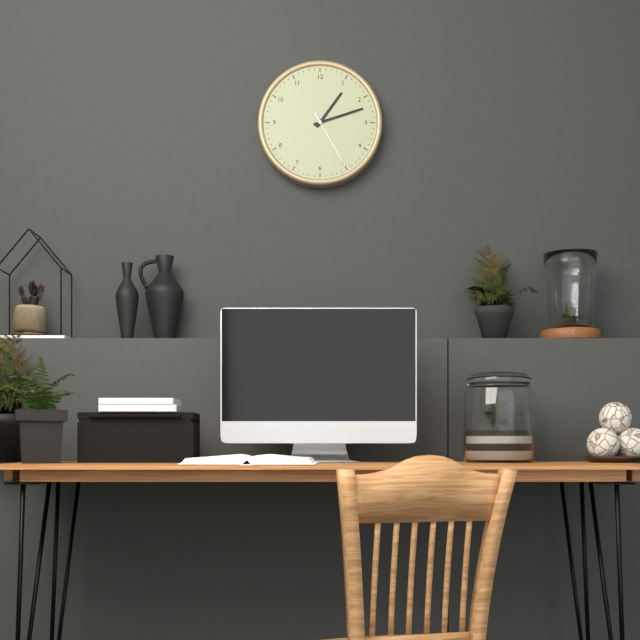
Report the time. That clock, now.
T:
1:12:25
